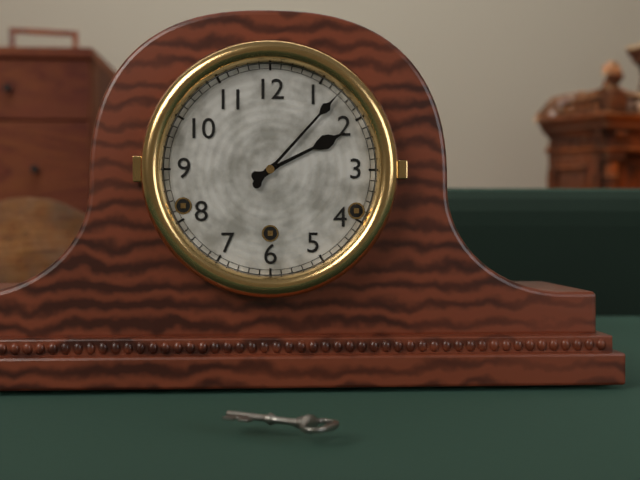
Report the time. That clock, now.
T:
2:07
